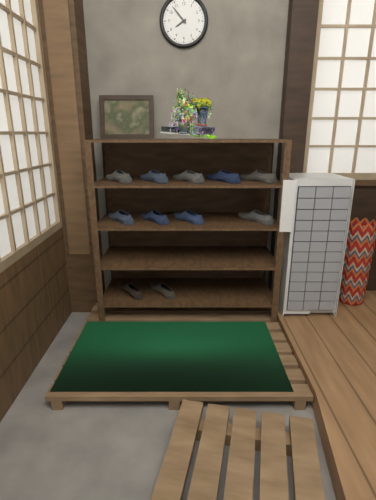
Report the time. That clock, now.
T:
7:53
